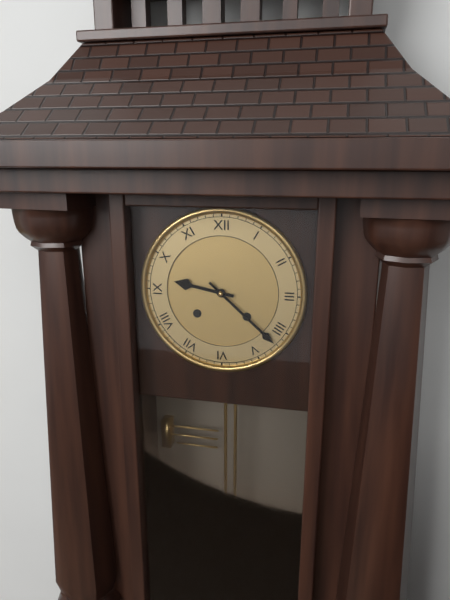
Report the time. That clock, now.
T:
9:22
